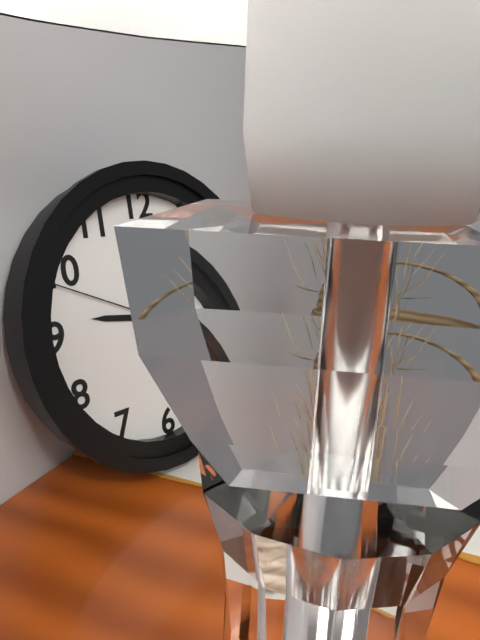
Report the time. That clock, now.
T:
9:17:49
